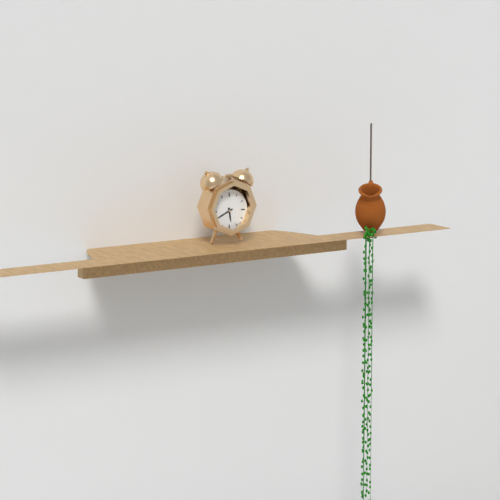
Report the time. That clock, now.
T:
5:41
